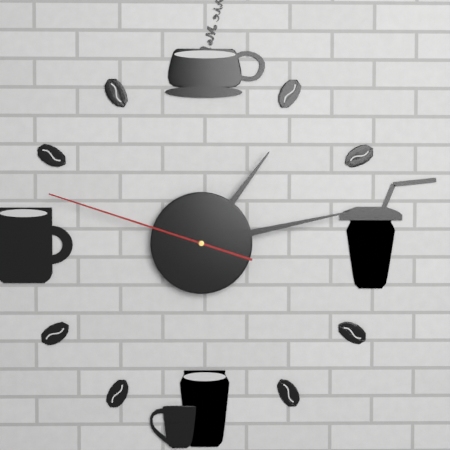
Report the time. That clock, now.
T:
1:13:48
